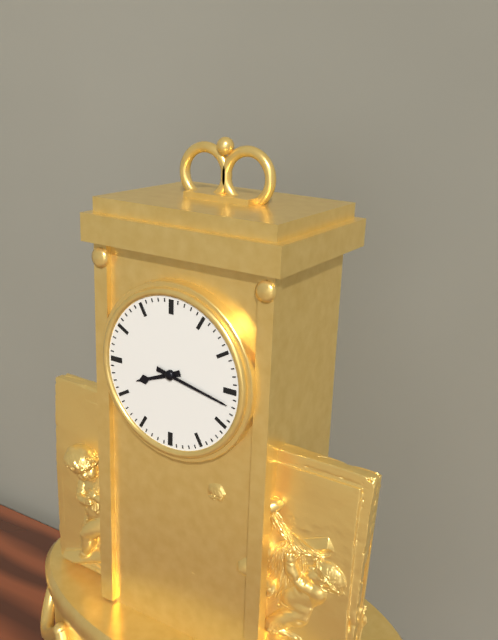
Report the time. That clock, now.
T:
8:17
